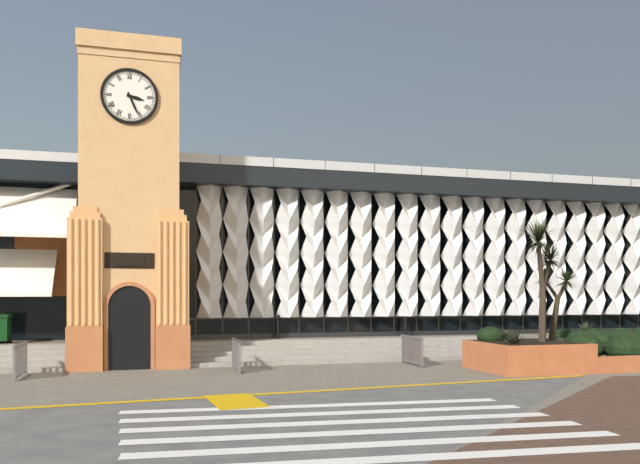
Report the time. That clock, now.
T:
3:26
